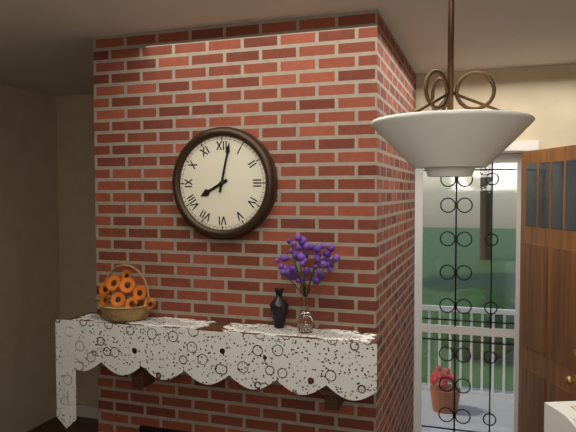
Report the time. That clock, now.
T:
8:02
